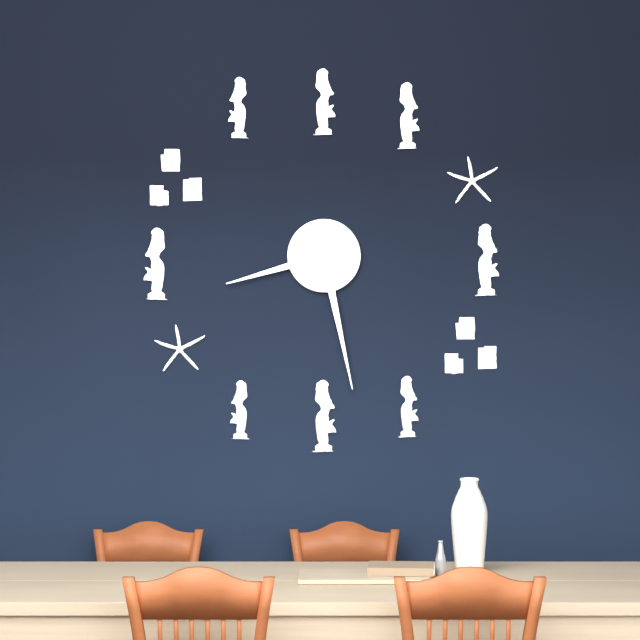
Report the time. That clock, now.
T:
8:28
